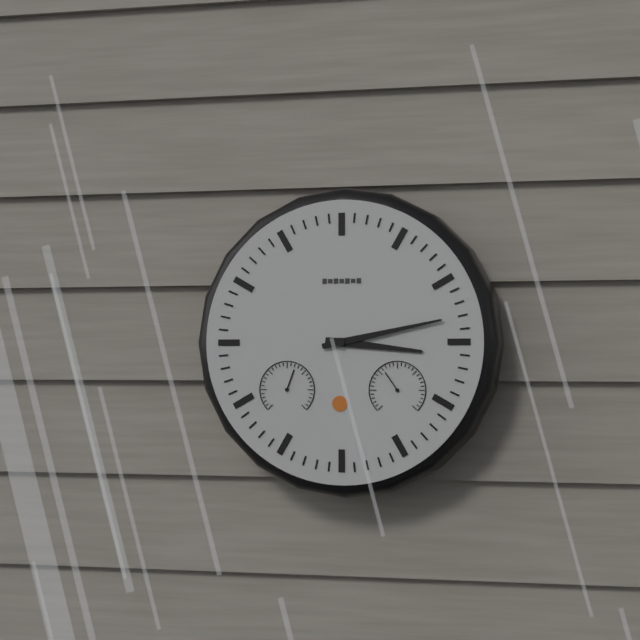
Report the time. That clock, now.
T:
3:13
